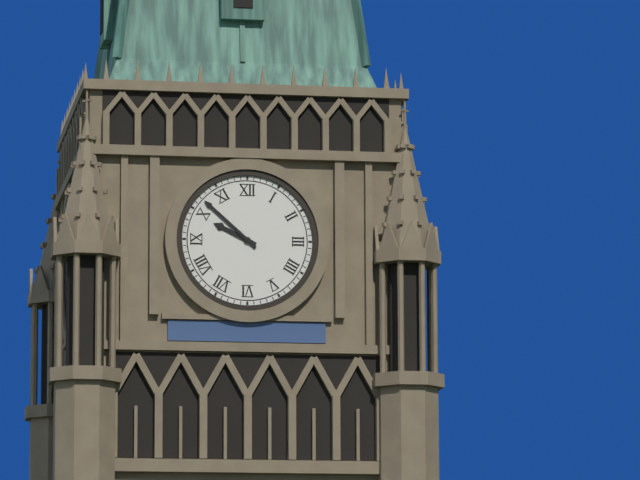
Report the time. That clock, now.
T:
9:52
